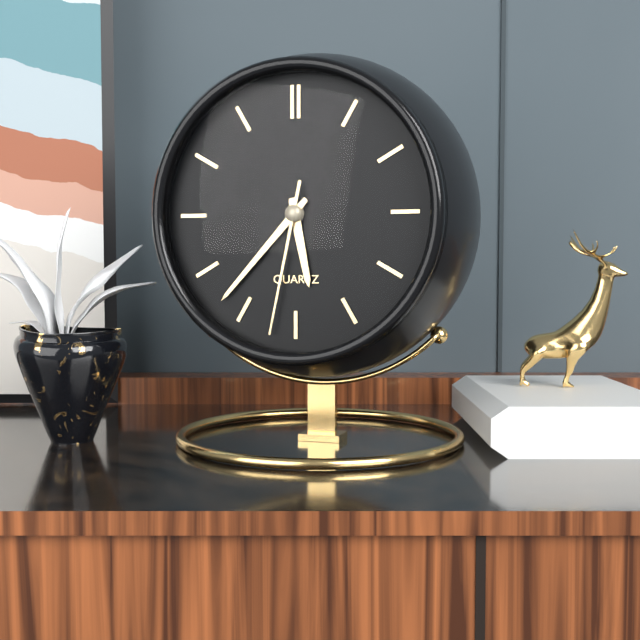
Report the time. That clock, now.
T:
5:37:32
